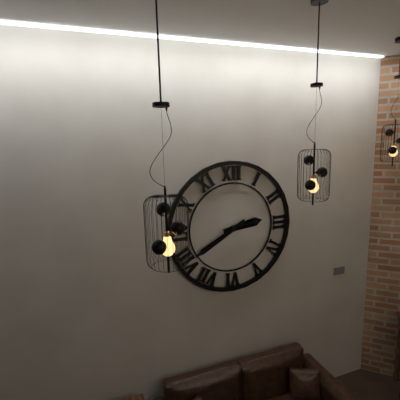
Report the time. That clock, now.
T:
2:40
